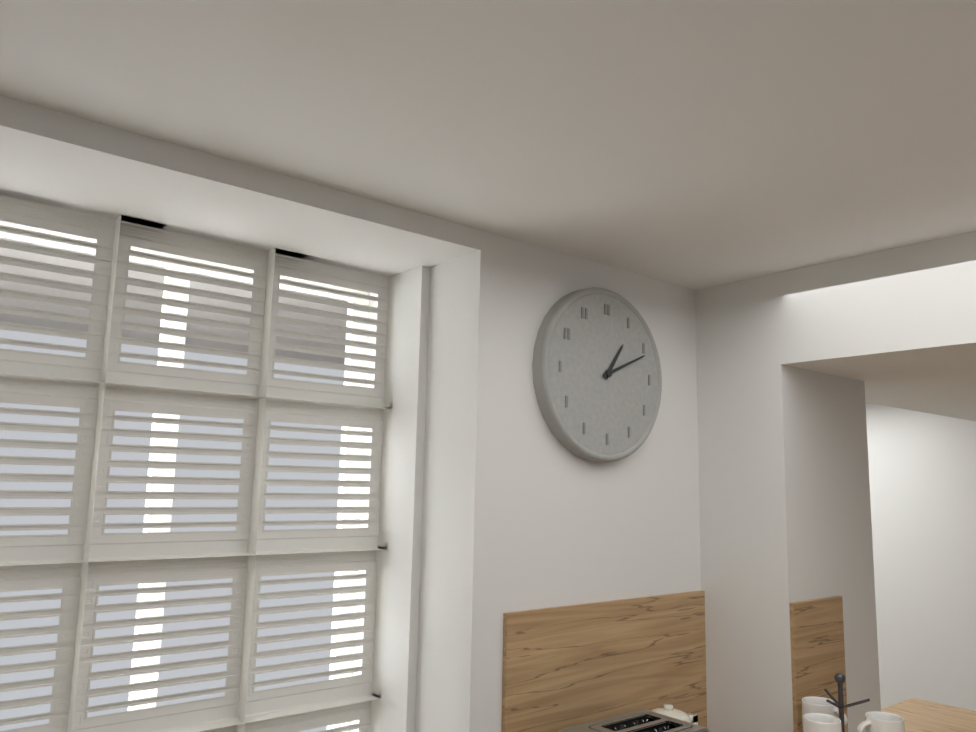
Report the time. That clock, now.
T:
1:11
